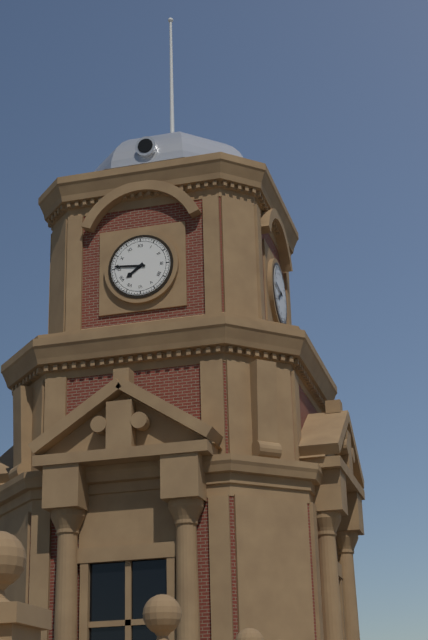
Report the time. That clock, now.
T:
7:46
